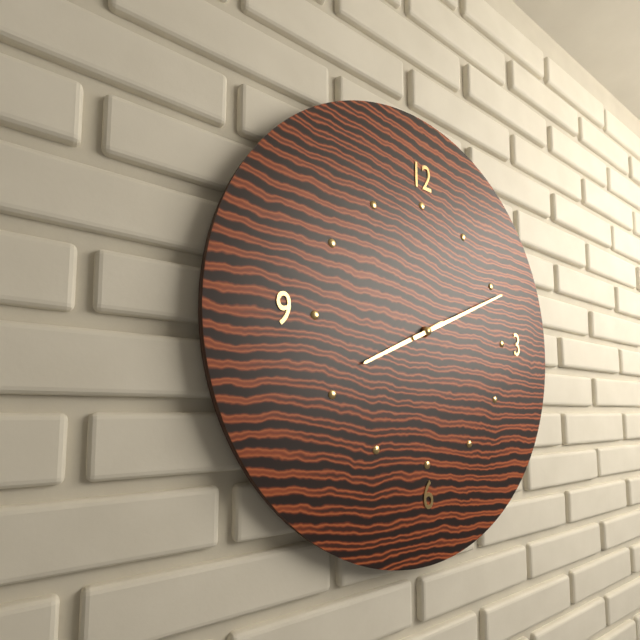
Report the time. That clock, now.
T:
8:11
